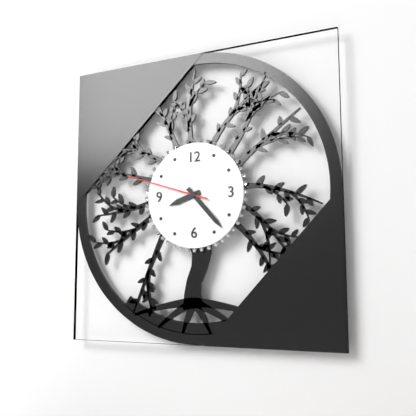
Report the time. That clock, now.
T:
8:23:48
